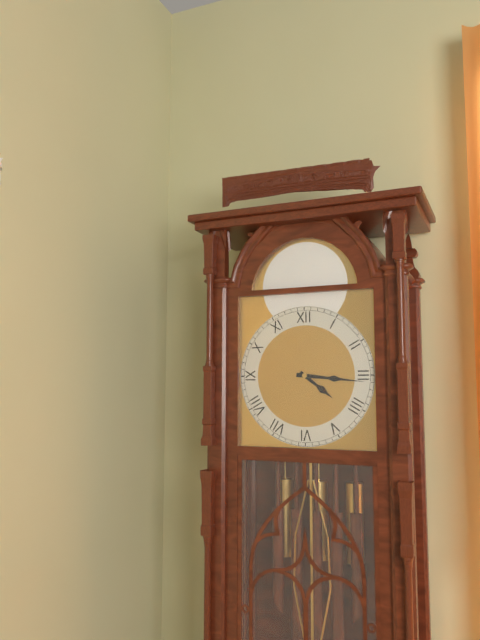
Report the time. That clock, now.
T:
4:16
